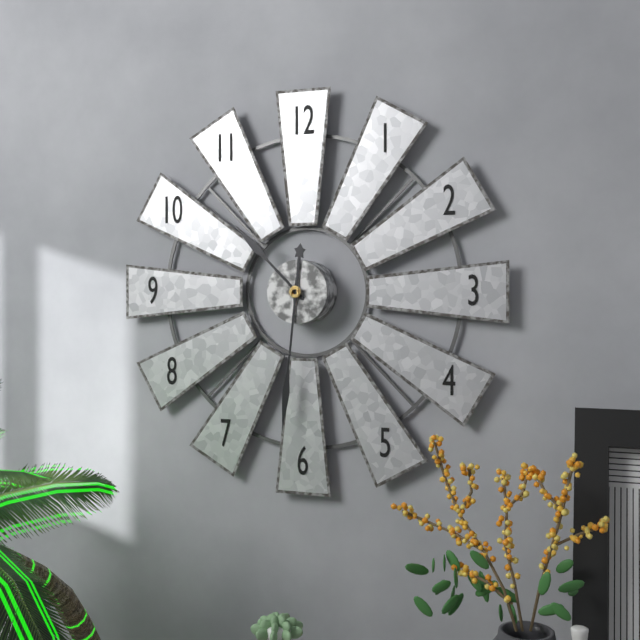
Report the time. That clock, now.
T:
10:31
